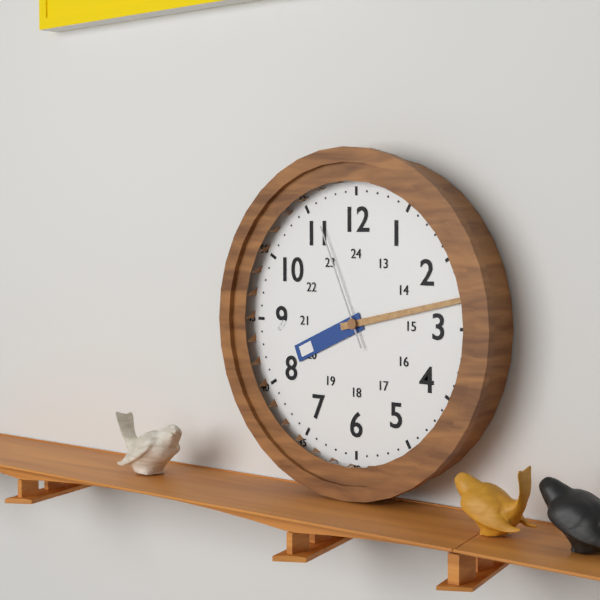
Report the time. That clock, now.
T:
8:13:56
